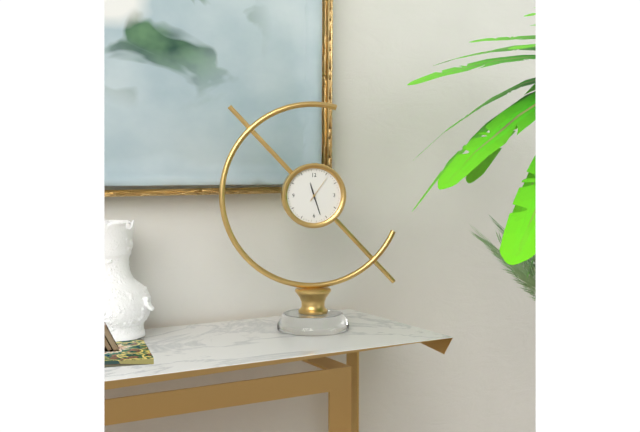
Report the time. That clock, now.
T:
11:27
